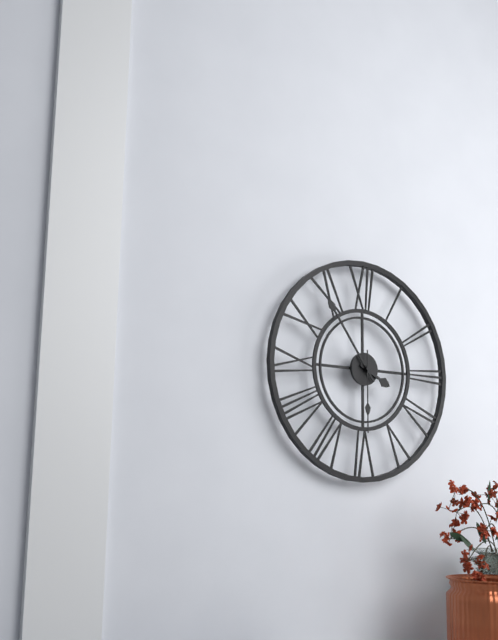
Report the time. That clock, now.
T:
3:54:30
